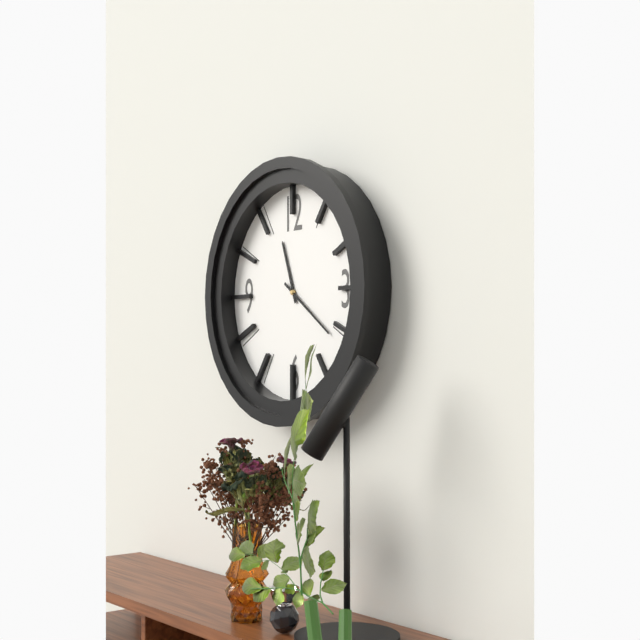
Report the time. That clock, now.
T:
11:21
